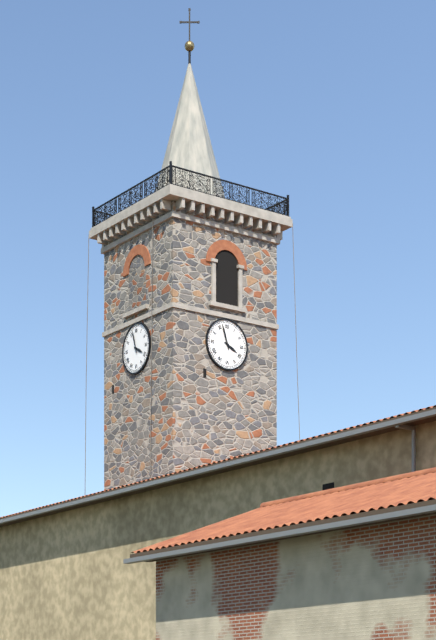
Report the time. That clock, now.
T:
3:57
